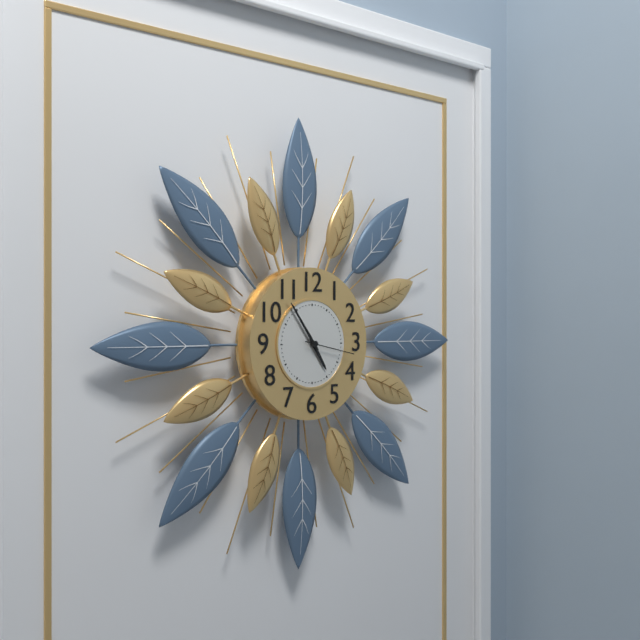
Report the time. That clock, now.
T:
4:54:17
